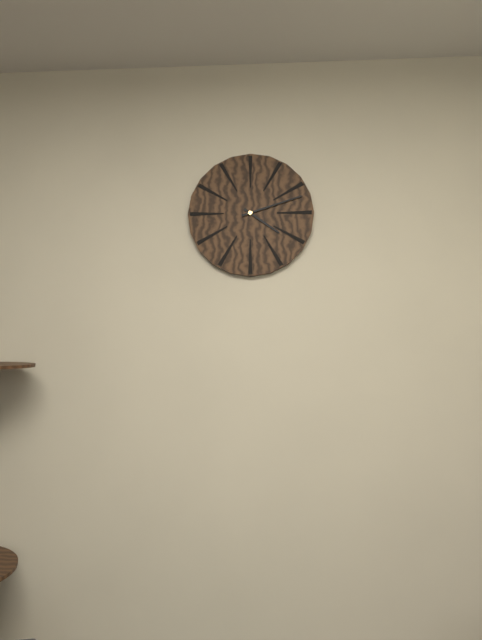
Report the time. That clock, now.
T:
4:12
